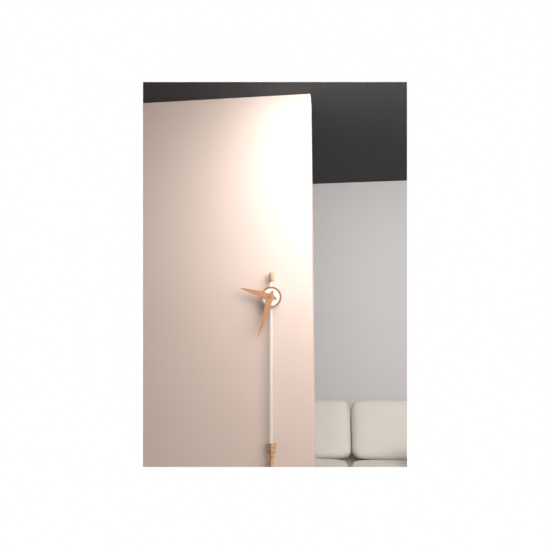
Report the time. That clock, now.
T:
9:33
